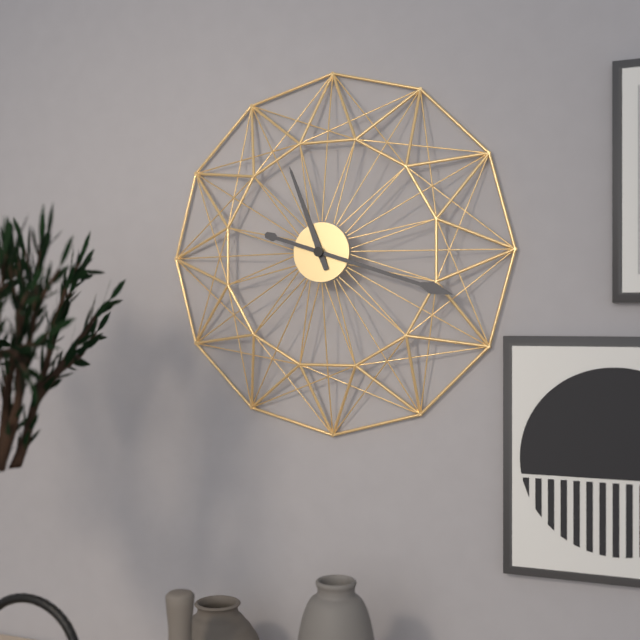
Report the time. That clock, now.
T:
11:18
